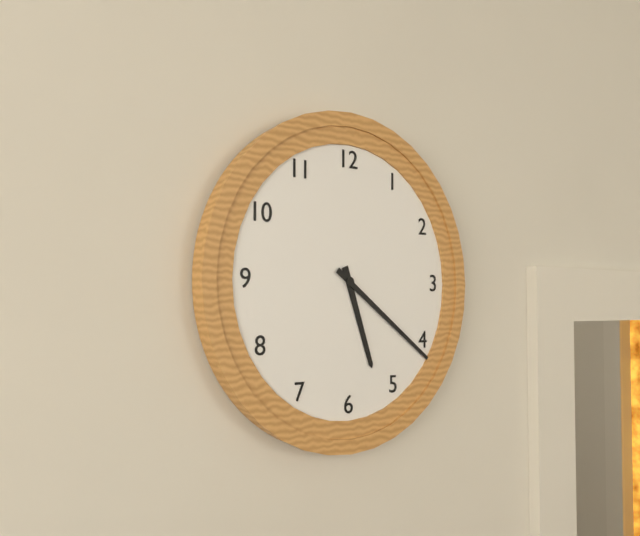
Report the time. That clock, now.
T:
5:21
